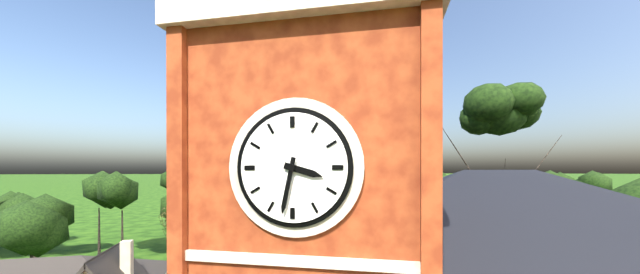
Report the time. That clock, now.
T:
3:32
